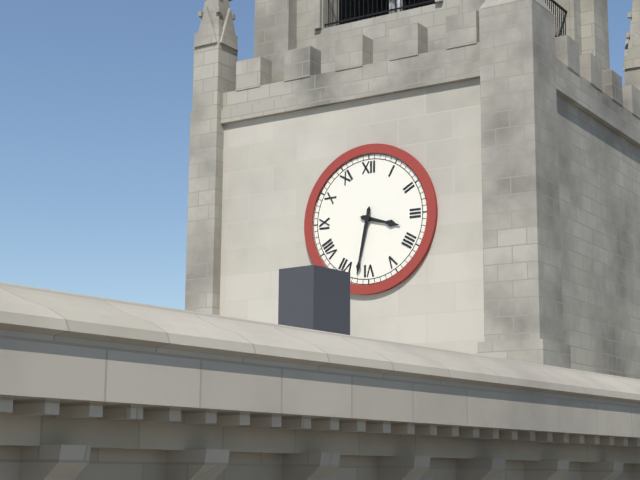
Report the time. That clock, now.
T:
3:32
